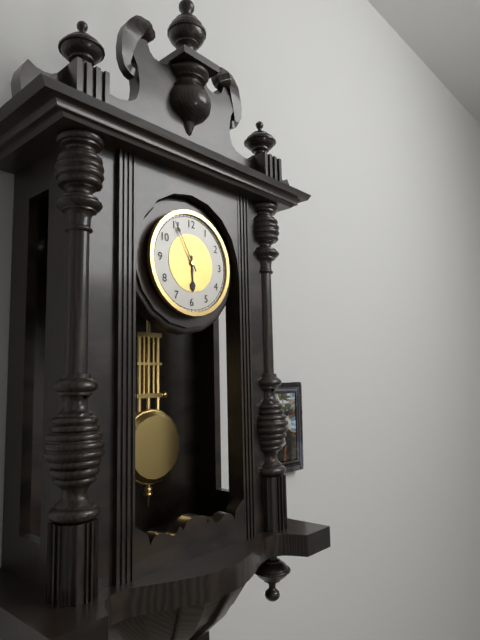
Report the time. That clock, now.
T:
5:55
